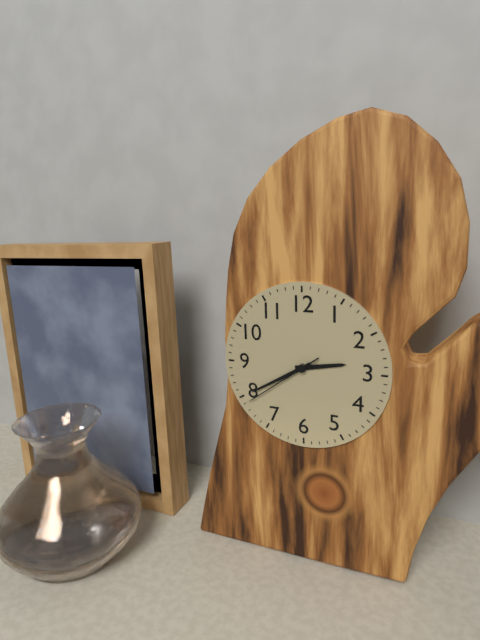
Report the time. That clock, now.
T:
2:40:39
